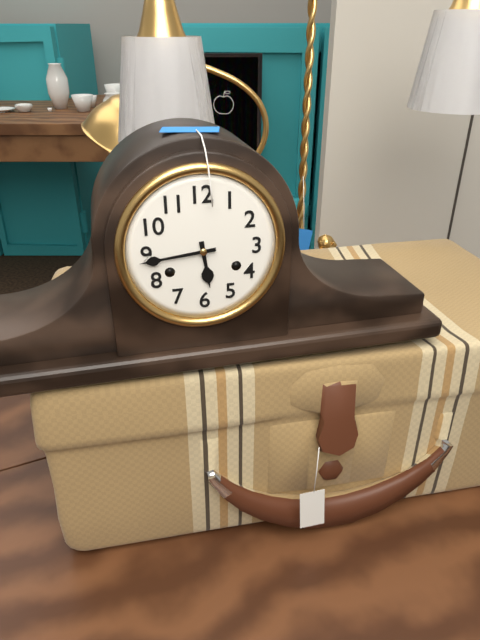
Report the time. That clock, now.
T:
5:44
